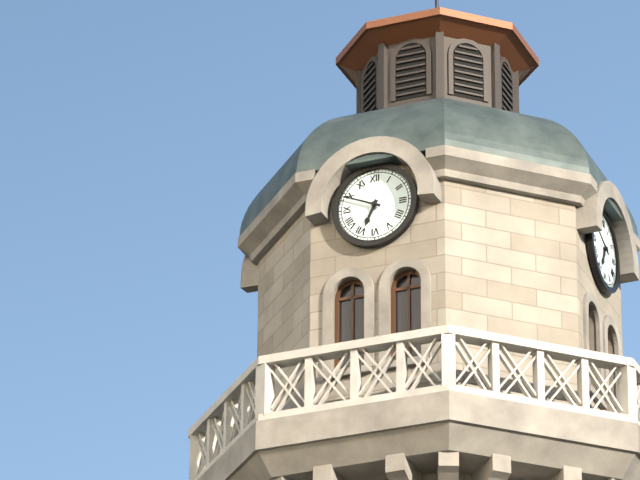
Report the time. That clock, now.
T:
6:49
